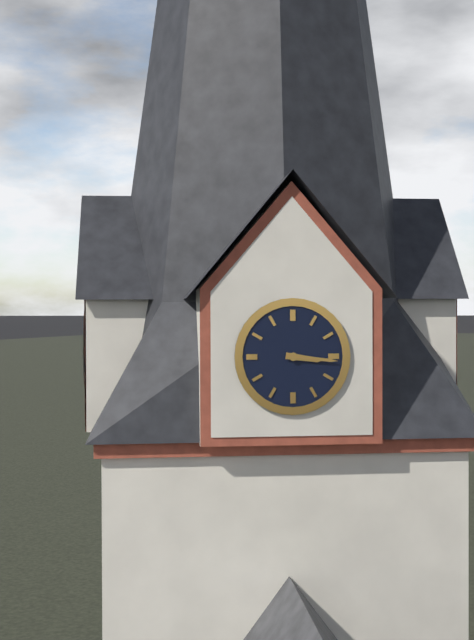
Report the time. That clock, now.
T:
3:16
